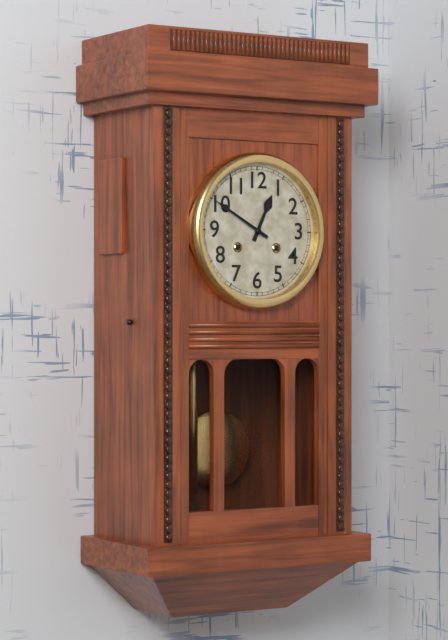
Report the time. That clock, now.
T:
12:50
